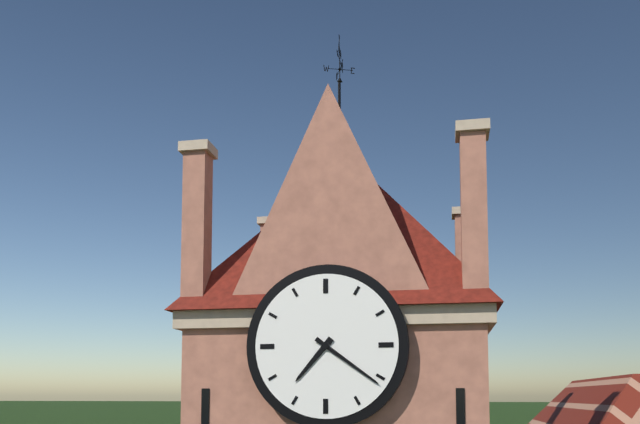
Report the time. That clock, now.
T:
7:21
